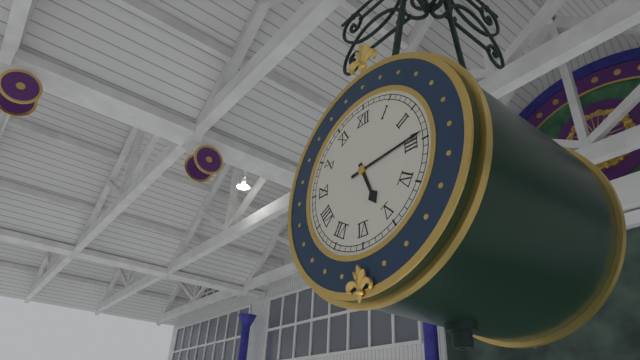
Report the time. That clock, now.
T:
5:14
